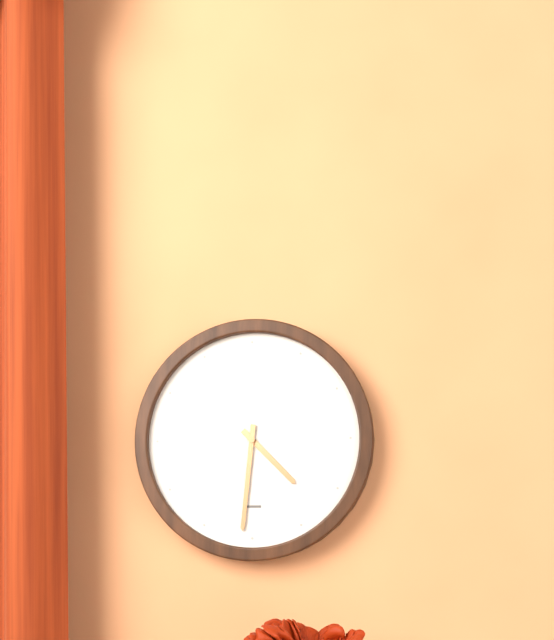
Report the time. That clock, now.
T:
4:31
